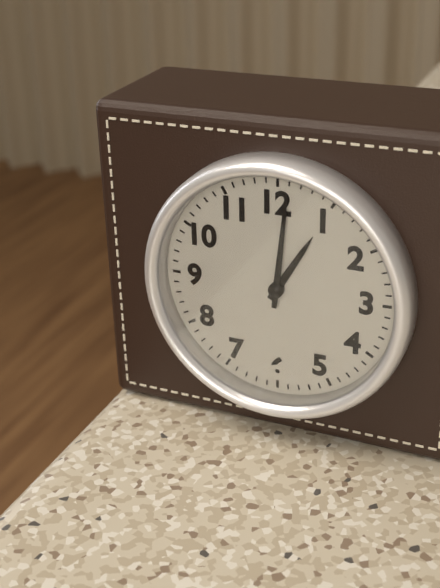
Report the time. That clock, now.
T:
1:01
